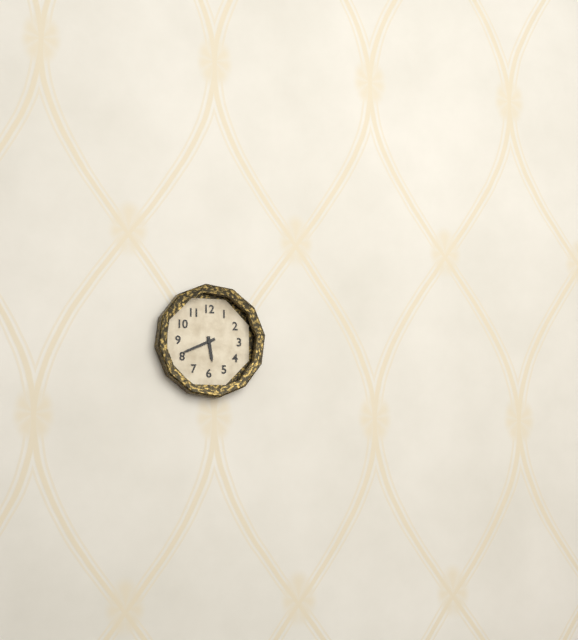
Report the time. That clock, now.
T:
5:41
